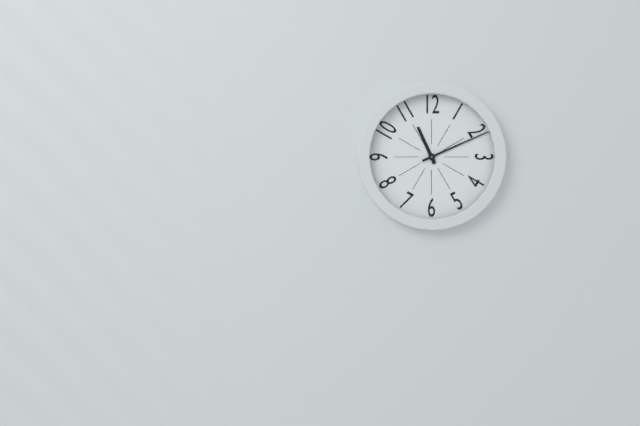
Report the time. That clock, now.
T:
11:11
